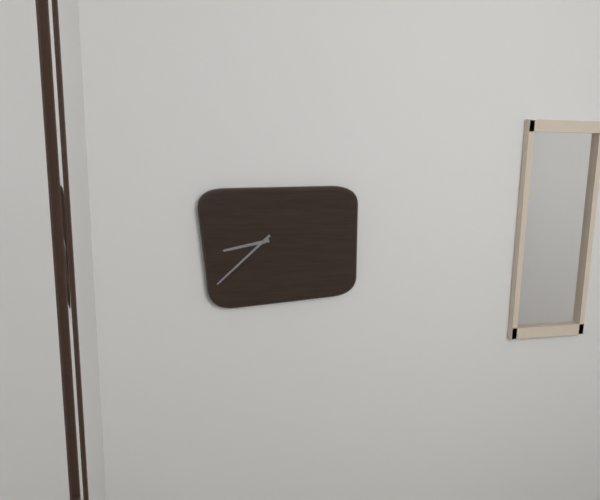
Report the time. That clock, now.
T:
8:38
